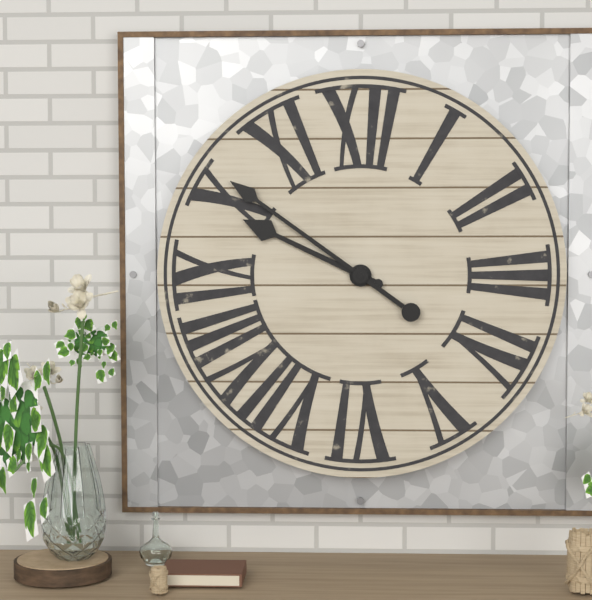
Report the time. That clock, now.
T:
9:51
